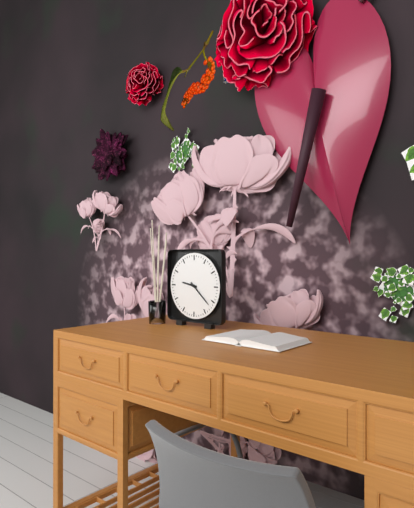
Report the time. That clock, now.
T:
9:22
